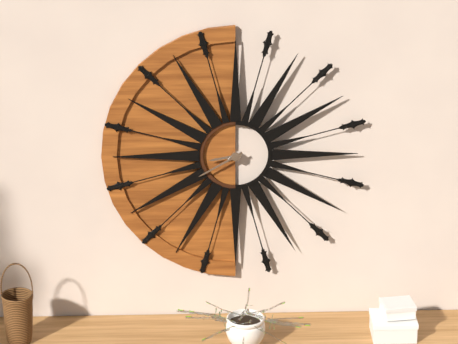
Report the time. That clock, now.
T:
8:40
